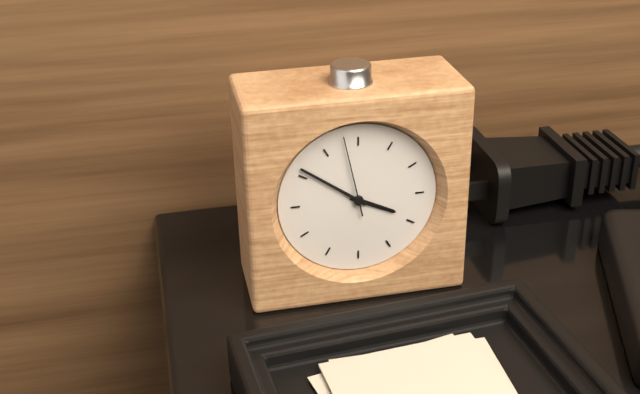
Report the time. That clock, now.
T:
3:51:58
